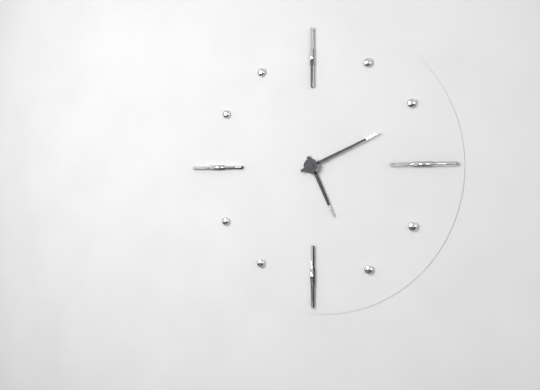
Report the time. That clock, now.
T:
5:11
